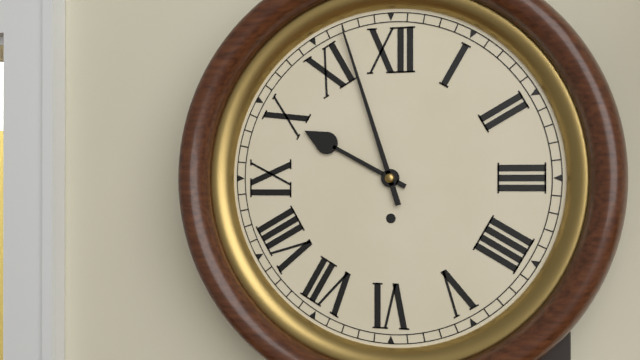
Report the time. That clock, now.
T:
9:57
